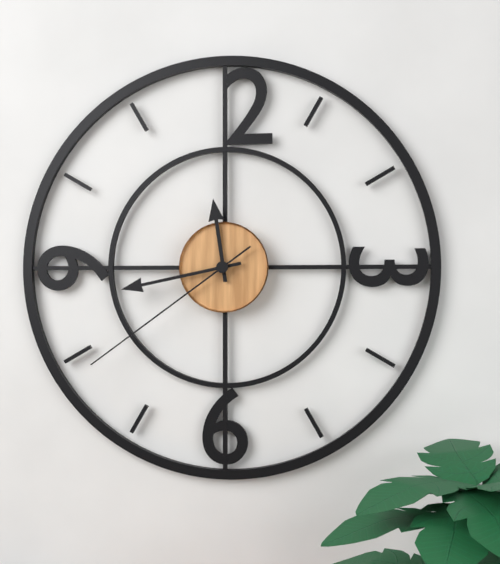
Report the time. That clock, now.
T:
11:43:39
